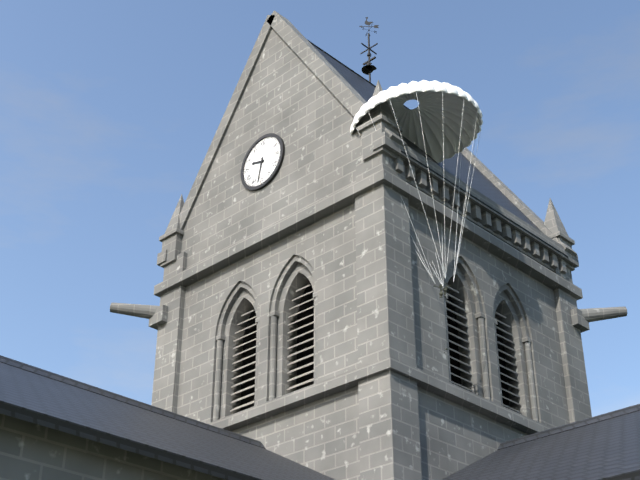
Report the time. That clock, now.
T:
9:32
